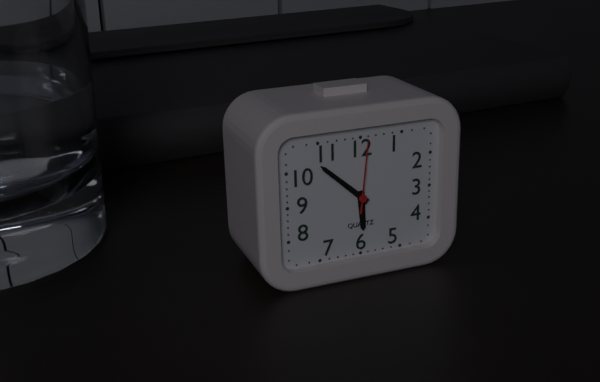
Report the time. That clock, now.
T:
5:52:01
